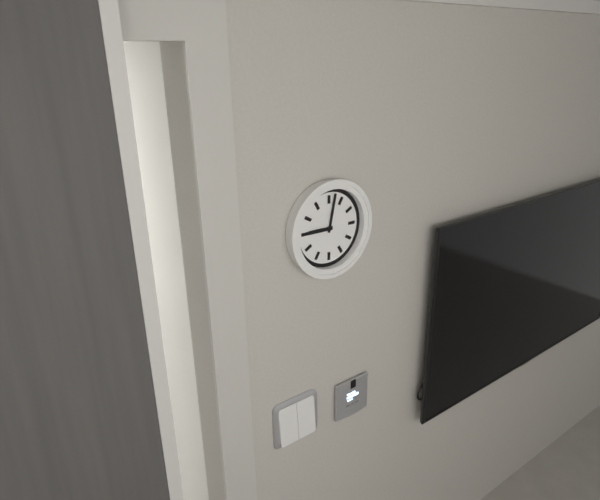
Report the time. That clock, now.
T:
9:02
